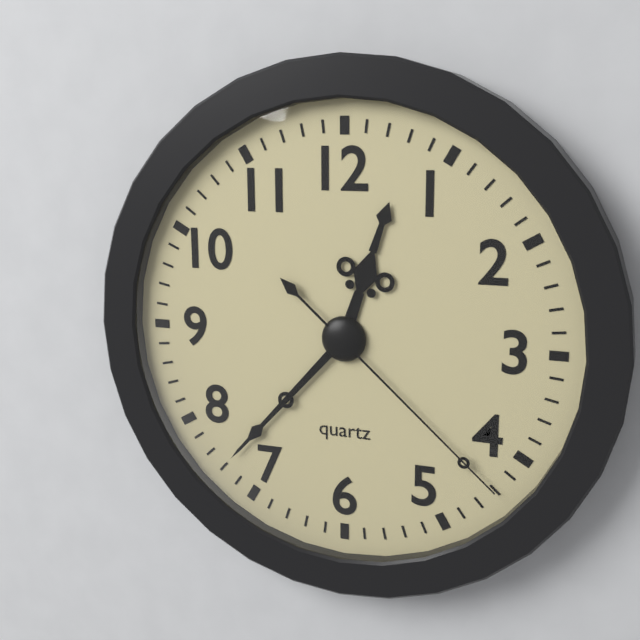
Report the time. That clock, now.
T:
12:37:22
